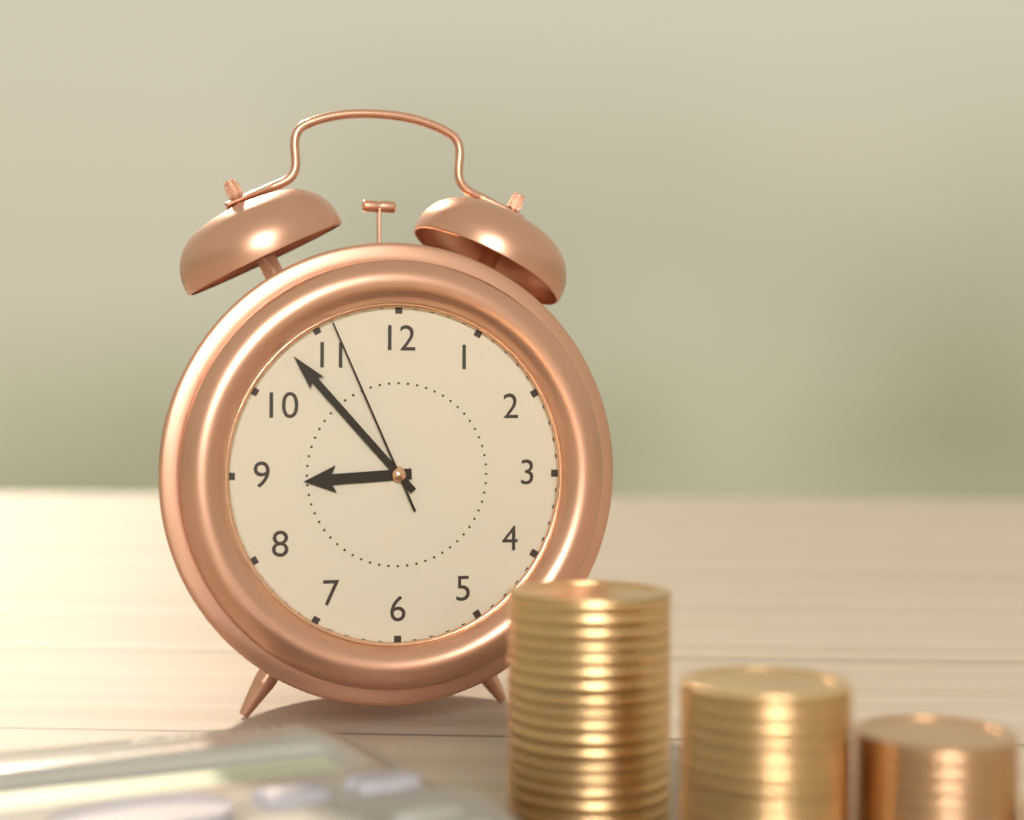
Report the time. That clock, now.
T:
8:53:56
